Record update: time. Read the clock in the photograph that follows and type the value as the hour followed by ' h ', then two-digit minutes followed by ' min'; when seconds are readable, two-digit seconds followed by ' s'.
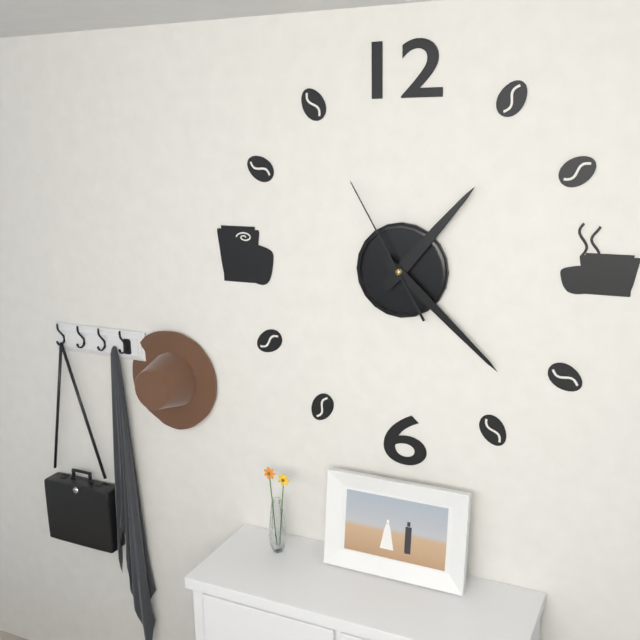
1 h 22 min 55 s
